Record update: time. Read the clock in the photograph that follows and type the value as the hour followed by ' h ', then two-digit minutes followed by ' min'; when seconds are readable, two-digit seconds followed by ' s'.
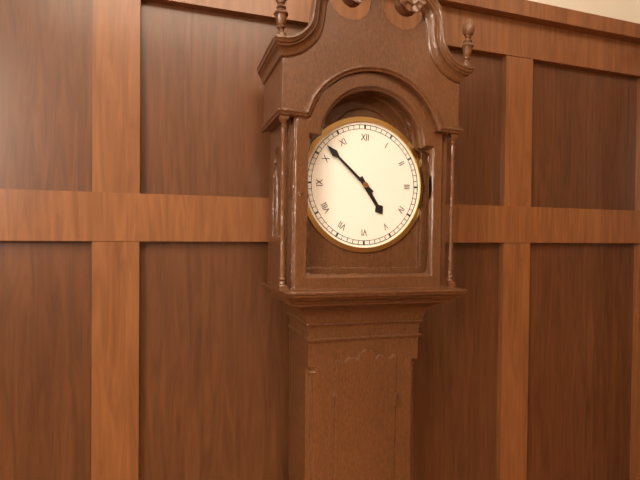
4 h 52 min
